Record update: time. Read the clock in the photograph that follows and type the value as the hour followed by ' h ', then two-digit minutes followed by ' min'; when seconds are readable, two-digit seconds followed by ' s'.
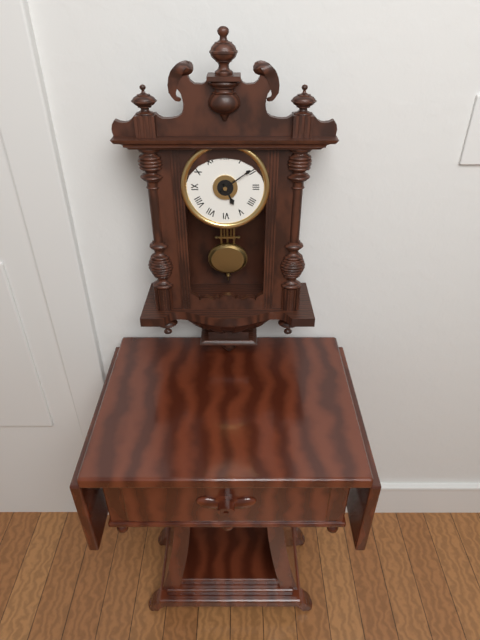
5 h 09 min
